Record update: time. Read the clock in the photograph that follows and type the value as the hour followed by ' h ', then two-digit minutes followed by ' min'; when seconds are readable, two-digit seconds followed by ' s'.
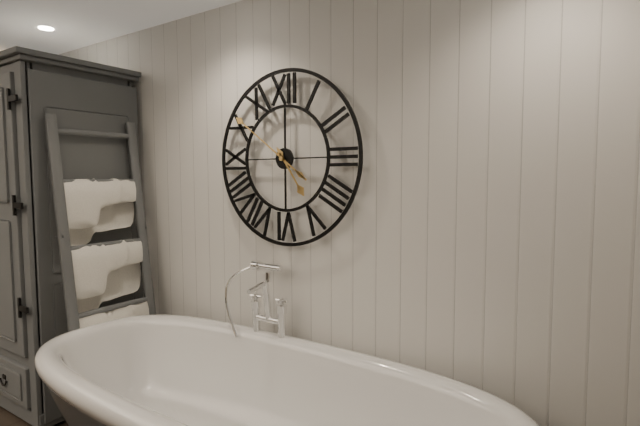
4 h 51 min
